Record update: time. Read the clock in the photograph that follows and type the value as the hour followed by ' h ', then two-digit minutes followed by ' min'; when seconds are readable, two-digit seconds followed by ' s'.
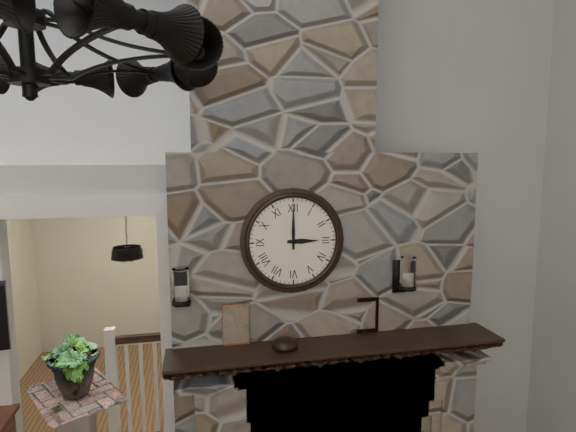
3 h 00 min
